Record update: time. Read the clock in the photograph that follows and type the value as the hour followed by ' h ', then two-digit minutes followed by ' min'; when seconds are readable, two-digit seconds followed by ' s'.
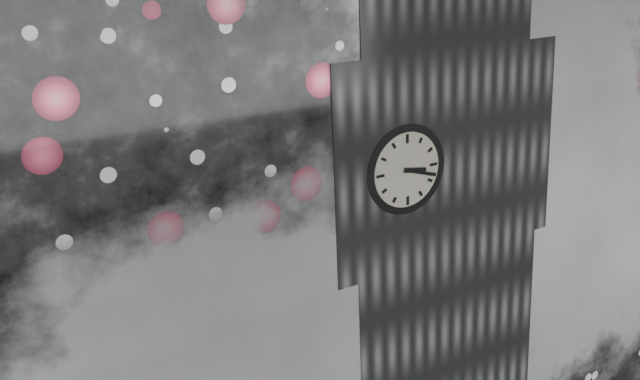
3 h 18 min
